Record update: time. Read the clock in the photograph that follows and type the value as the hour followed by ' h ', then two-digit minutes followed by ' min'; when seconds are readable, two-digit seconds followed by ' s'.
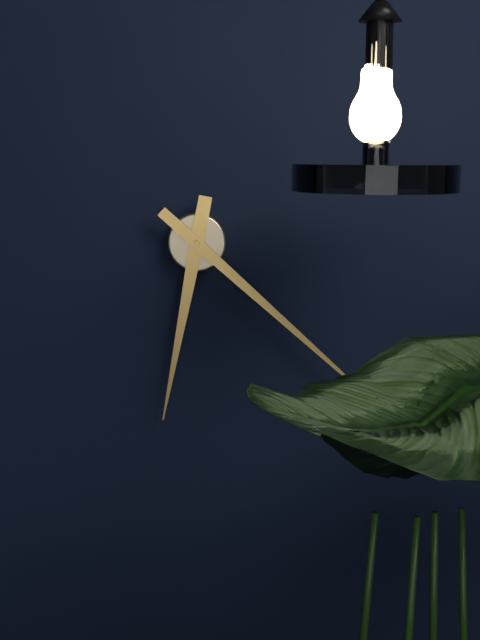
6 h 22 min
